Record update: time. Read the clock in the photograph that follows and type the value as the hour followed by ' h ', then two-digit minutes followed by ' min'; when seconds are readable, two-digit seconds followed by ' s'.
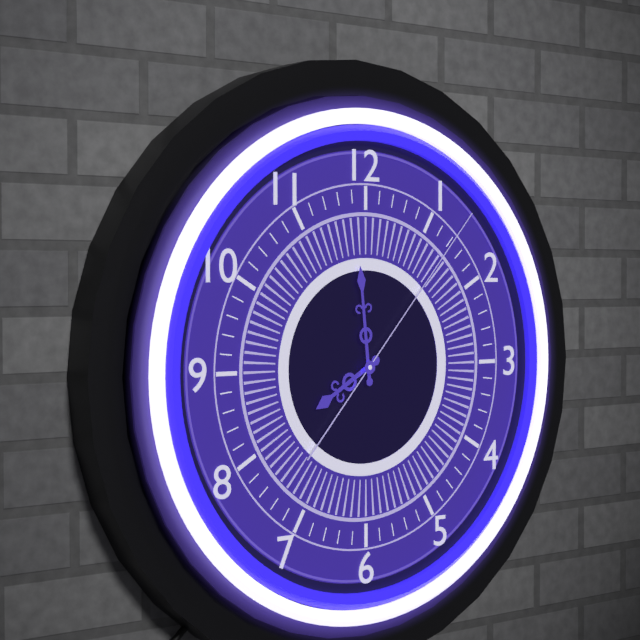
7 h 59 min 07 s
